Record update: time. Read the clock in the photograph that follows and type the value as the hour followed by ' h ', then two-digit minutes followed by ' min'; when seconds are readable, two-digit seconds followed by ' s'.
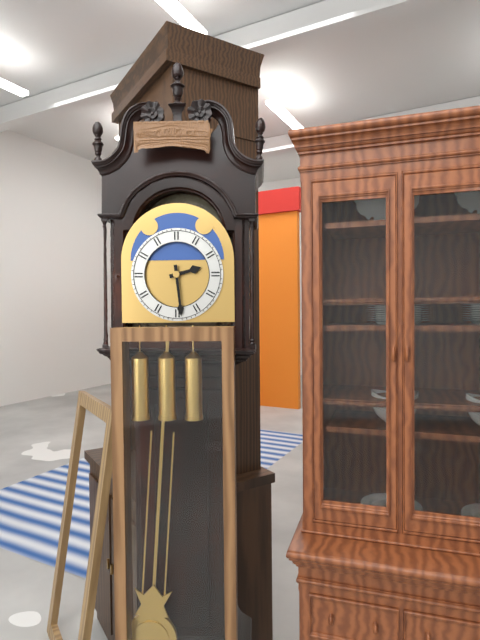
2 h 29 min
